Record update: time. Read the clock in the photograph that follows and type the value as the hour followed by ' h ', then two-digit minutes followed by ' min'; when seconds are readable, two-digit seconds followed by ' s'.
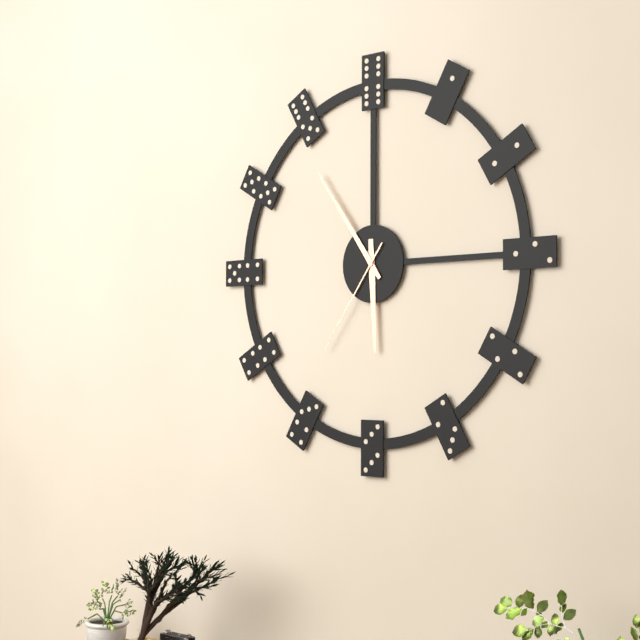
5 h 54 min 36 s
